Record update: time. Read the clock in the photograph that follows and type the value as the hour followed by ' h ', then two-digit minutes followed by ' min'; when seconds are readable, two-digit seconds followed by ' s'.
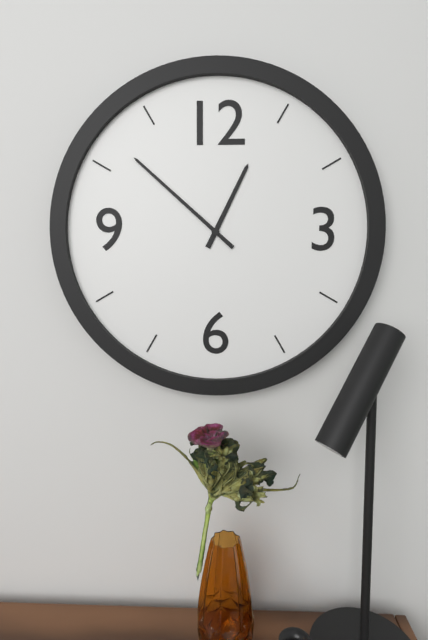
12 h 52 min
